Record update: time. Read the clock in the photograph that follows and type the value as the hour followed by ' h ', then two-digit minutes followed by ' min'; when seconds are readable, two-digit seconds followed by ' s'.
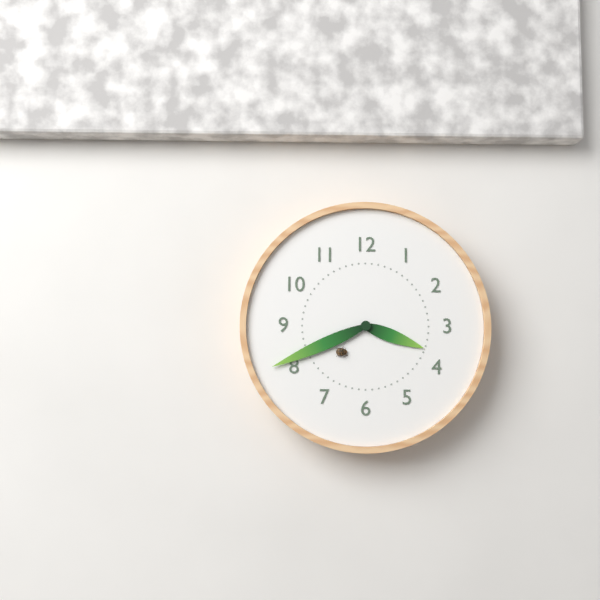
3 h 41 min
